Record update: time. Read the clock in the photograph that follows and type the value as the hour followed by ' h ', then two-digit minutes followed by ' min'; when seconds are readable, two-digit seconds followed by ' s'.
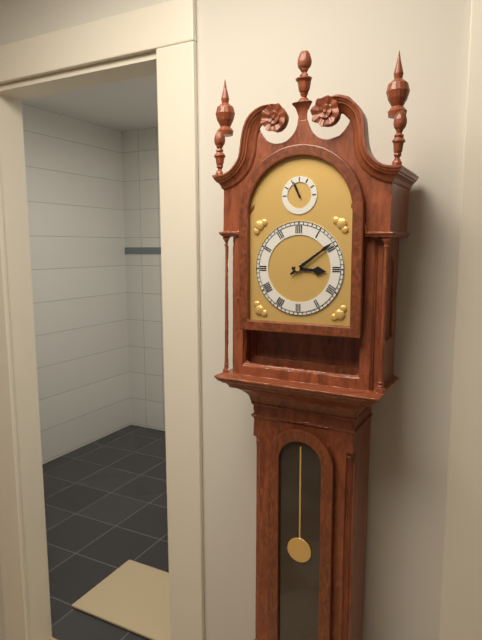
3 h 09 min
